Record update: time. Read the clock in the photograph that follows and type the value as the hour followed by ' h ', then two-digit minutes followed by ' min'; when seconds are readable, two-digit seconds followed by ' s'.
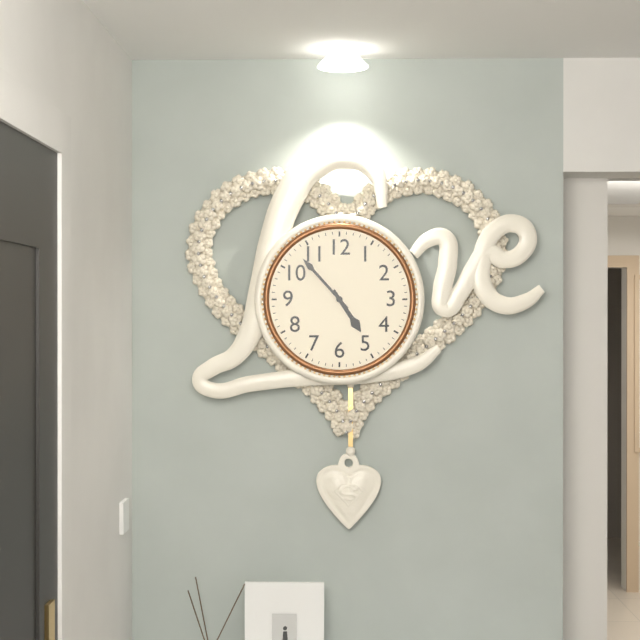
4 h 53 min
